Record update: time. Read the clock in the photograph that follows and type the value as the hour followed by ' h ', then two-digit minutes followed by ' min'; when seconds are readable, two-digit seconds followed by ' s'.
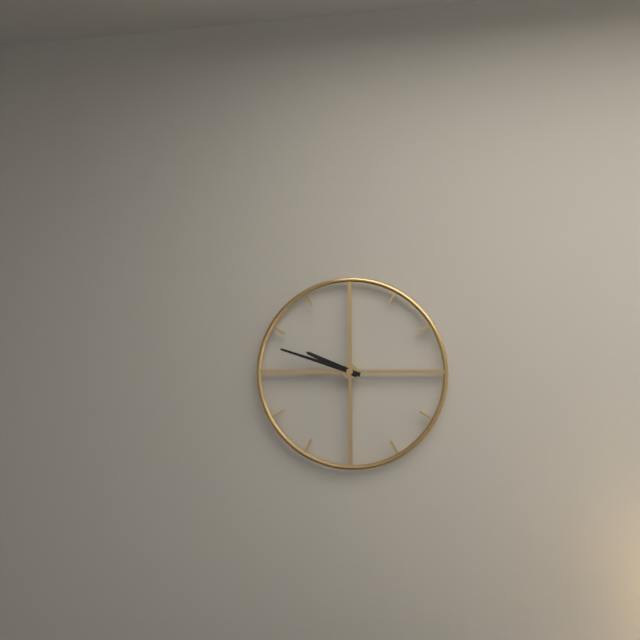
9 h 48 min
